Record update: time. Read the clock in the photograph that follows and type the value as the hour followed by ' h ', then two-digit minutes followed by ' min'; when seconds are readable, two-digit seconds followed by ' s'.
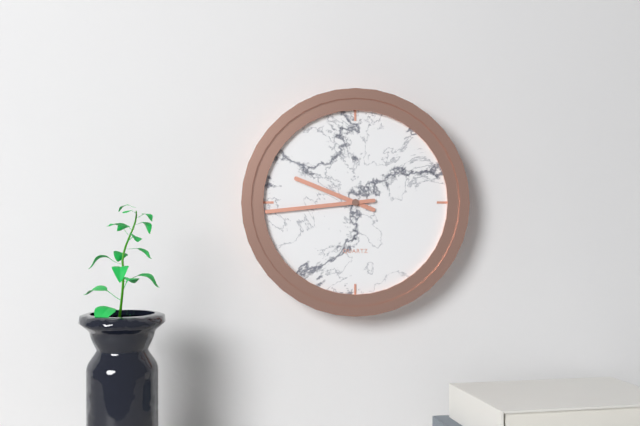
9 h 44 min
